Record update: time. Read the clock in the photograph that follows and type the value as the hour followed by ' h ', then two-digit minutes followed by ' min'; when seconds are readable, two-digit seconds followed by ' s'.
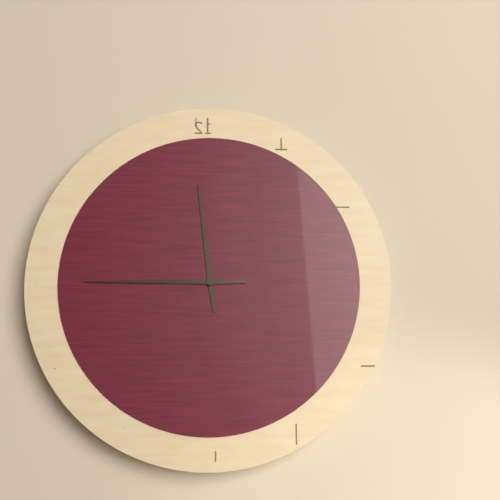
11 h 45 min
